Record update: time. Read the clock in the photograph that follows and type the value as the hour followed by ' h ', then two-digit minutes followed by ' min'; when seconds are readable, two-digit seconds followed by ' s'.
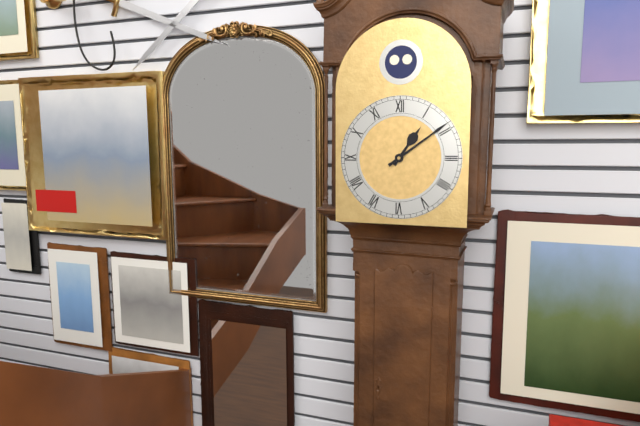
1 h 09 min
